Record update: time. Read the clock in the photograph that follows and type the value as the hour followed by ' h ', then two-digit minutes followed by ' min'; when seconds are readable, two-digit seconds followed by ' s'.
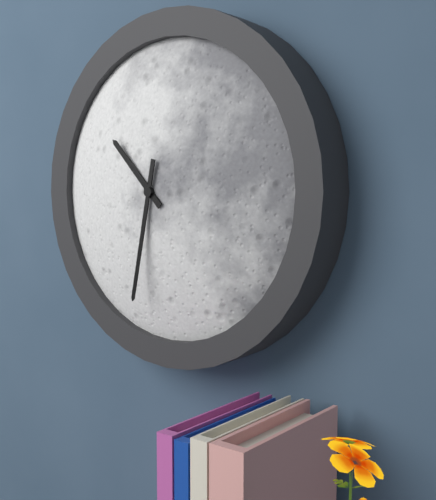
10 h 32 min
